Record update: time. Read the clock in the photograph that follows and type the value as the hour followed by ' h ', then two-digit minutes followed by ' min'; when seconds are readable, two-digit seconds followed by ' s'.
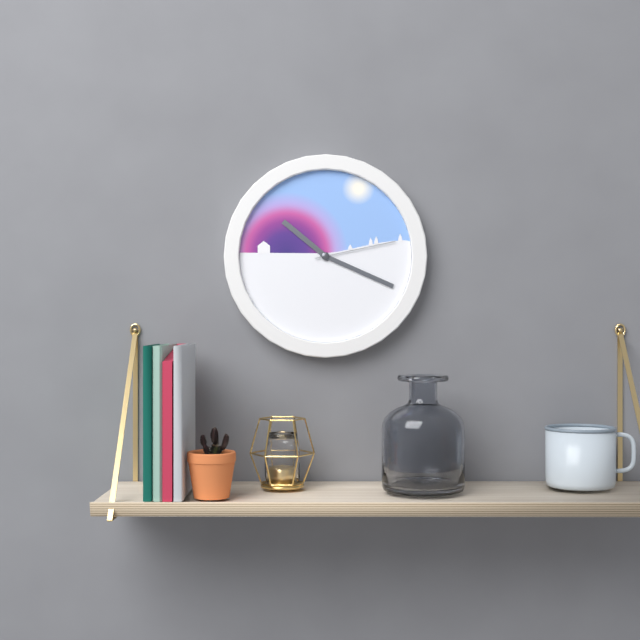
10 h 19 min 13 s
